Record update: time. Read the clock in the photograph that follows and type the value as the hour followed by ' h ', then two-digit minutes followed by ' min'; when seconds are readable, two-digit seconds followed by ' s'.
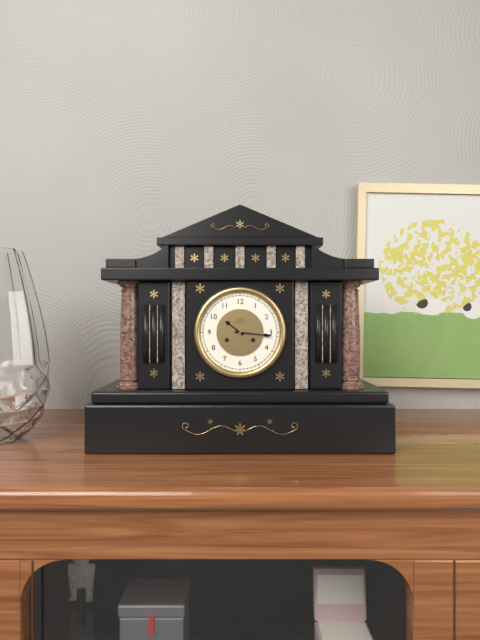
10 h 16 min
